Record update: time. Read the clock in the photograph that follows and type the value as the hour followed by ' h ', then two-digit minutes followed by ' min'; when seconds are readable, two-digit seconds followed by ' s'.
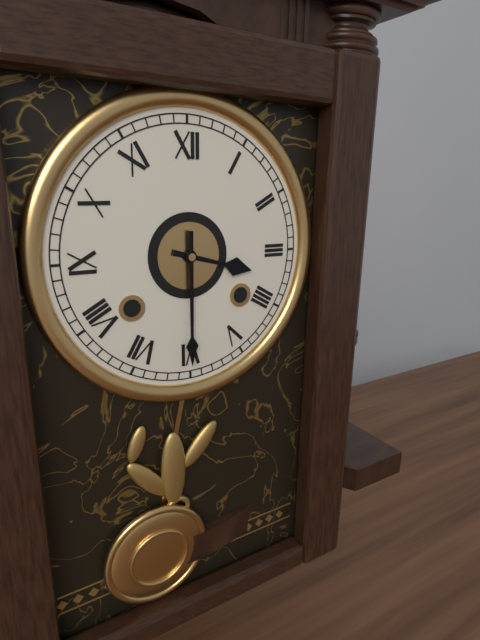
3 h 30 min
